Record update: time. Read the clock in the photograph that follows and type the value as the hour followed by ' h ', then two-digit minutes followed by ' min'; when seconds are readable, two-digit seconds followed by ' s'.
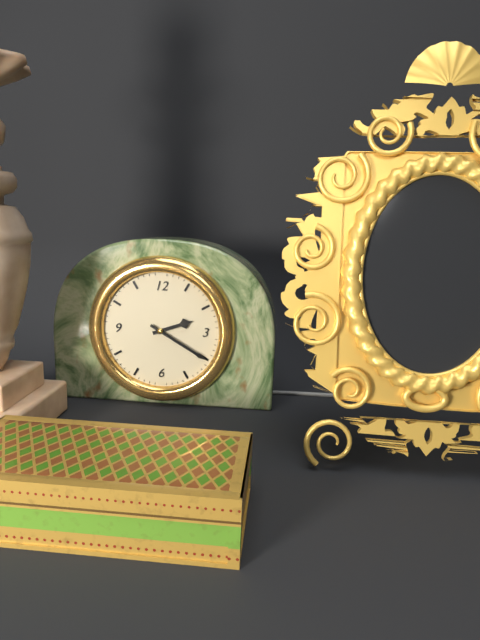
2 h 20 min
